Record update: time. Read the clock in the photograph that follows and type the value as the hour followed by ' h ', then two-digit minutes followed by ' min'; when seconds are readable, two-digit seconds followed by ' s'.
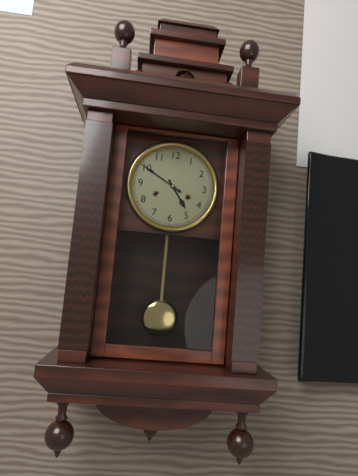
4 h 50 min
